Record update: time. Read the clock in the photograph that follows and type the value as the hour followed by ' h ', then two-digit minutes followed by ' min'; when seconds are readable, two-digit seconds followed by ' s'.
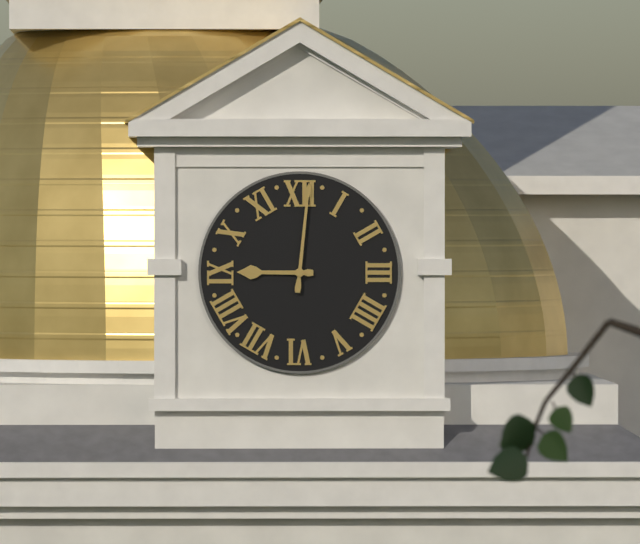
9 h 01 min
